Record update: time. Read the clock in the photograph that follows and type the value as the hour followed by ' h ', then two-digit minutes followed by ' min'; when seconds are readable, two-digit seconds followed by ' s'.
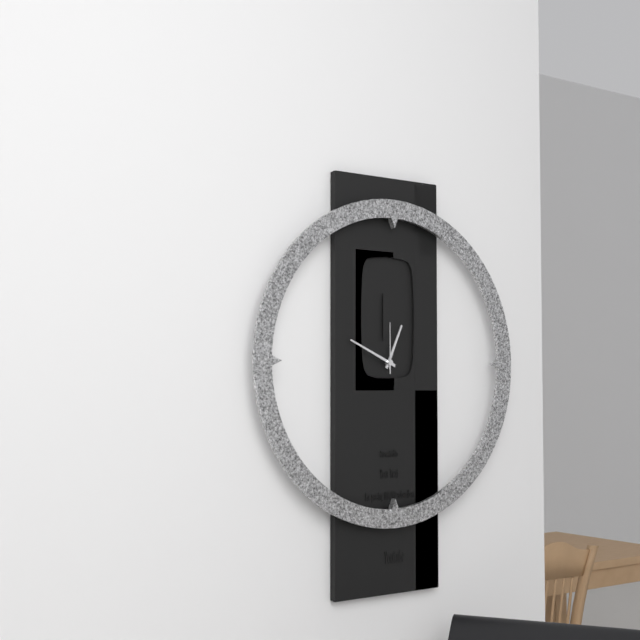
12 h 49 min 00 s
